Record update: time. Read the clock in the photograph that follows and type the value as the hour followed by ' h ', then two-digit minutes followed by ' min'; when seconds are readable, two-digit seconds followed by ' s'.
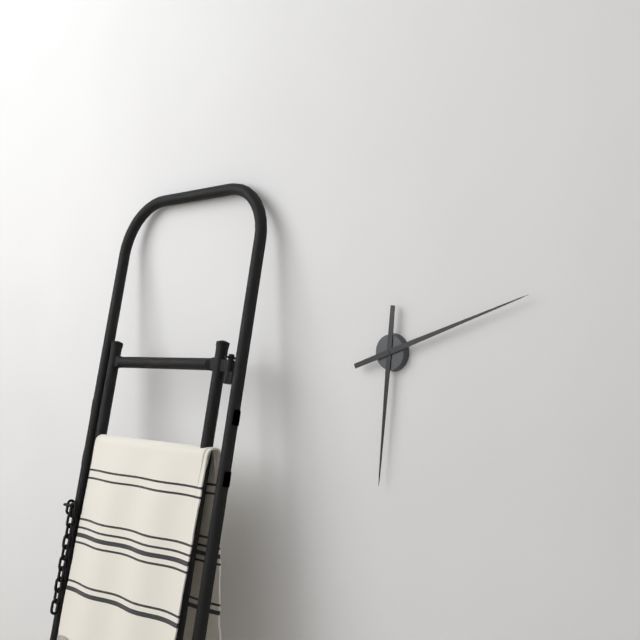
6 h 12 min
